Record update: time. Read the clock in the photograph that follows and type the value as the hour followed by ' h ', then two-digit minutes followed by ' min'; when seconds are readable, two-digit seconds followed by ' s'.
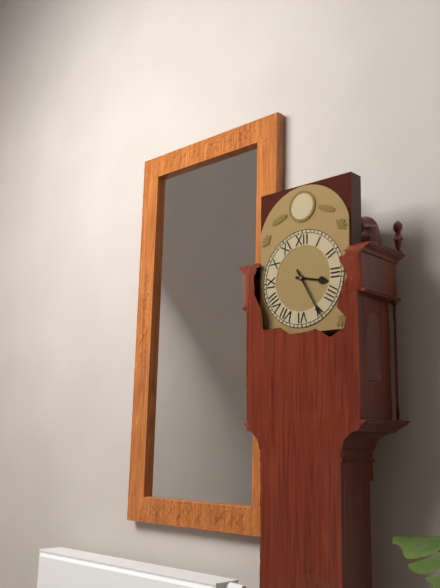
3 h 25 min
